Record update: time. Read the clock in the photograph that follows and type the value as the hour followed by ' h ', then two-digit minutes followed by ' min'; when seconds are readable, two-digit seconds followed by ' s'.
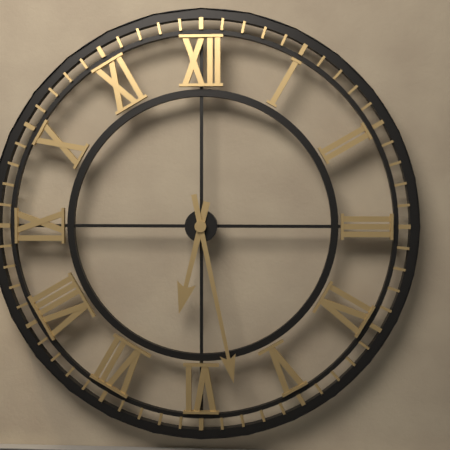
6 h 28 min
